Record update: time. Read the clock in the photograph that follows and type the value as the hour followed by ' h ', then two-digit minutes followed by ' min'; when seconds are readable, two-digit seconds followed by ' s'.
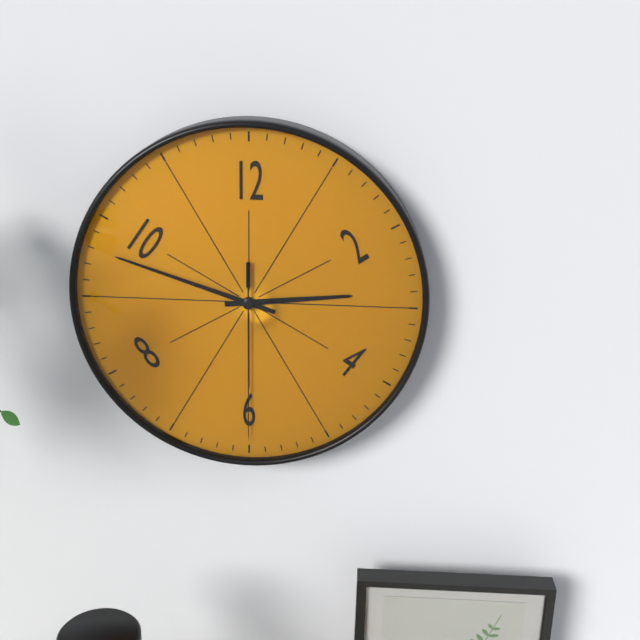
2 h 48 min 30 s
